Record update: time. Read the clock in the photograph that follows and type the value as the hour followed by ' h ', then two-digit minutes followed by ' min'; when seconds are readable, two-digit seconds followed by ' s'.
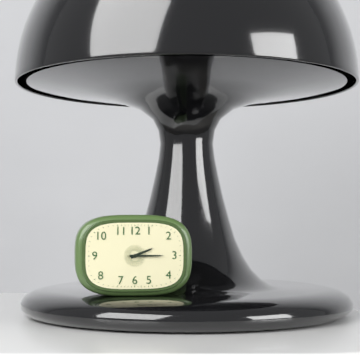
2 h 15 min
